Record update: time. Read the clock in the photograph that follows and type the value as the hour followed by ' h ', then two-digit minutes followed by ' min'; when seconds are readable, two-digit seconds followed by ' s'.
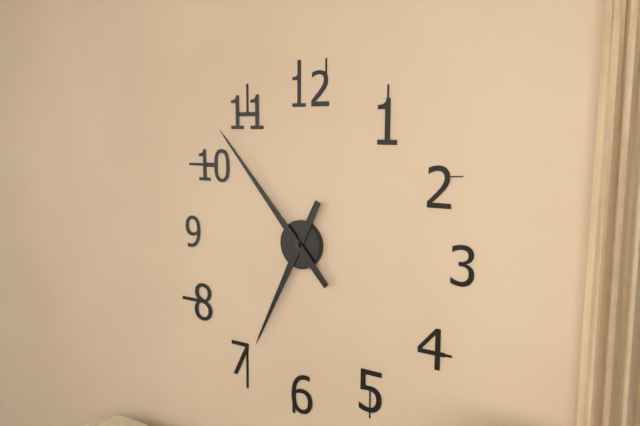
6 h 53 min
